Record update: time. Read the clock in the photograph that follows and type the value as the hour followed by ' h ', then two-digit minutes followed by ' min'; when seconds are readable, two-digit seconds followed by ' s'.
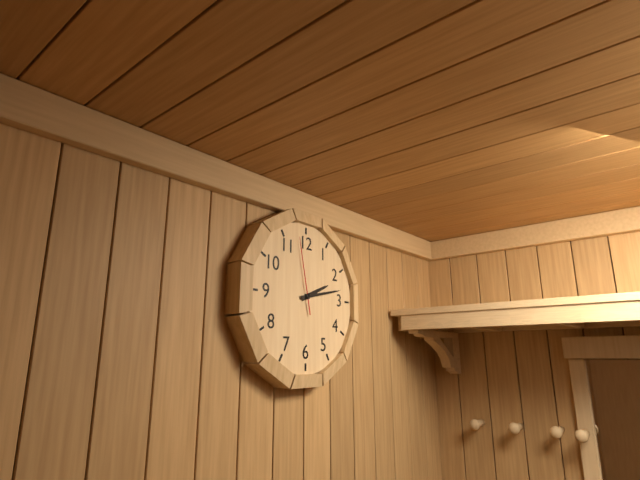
2 h 13 min 58 s
